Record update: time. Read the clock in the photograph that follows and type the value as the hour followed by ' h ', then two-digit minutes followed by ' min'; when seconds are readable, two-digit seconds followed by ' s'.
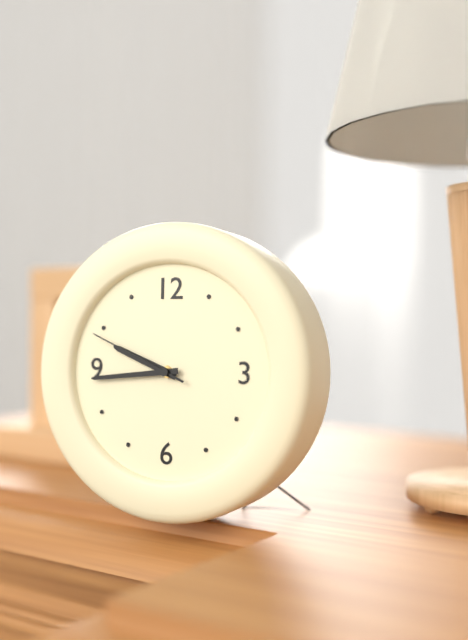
9 h 44 min 49 s
